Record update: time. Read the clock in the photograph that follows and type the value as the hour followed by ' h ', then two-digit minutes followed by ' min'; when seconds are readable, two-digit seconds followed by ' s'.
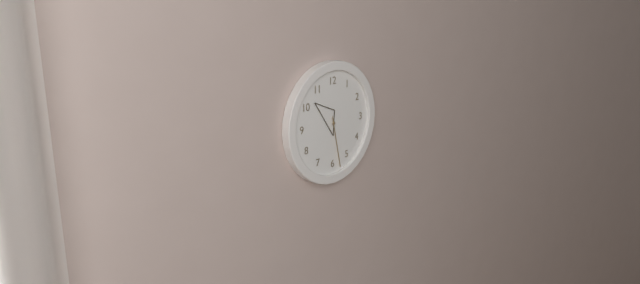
10 h 28 min
